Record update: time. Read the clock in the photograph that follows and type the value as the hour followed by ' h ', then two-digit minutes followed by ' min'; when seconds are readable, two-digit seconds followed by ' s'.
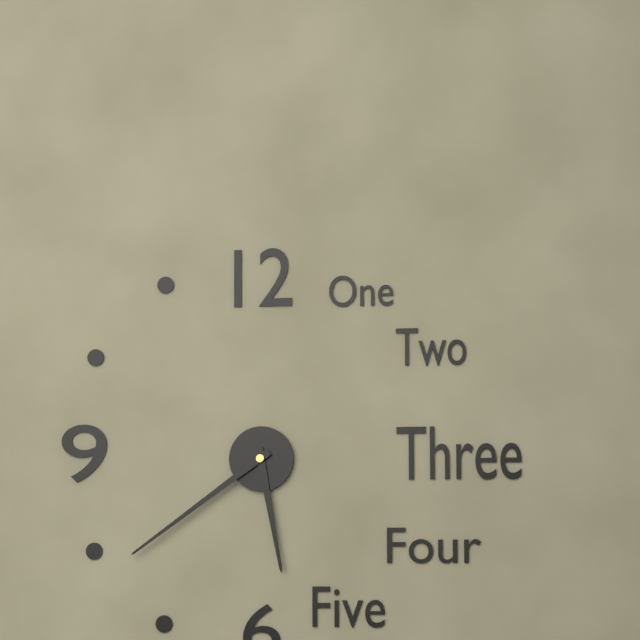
5 h 39 min
